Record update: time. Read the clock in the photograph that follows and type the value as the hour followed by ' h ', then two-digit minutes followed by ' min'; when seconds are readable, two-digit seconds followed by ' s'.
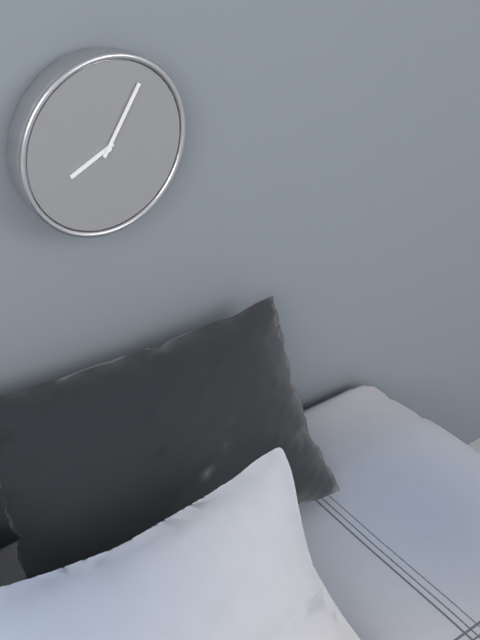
8 h 05 min
